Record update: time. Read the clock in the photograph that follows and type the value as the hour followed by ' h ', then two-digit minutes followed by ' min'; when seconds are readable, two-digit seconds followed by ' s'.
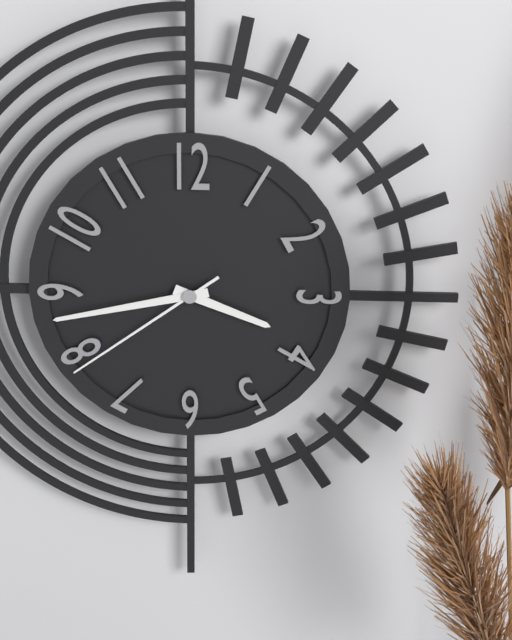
3 h 43 min 39 s
